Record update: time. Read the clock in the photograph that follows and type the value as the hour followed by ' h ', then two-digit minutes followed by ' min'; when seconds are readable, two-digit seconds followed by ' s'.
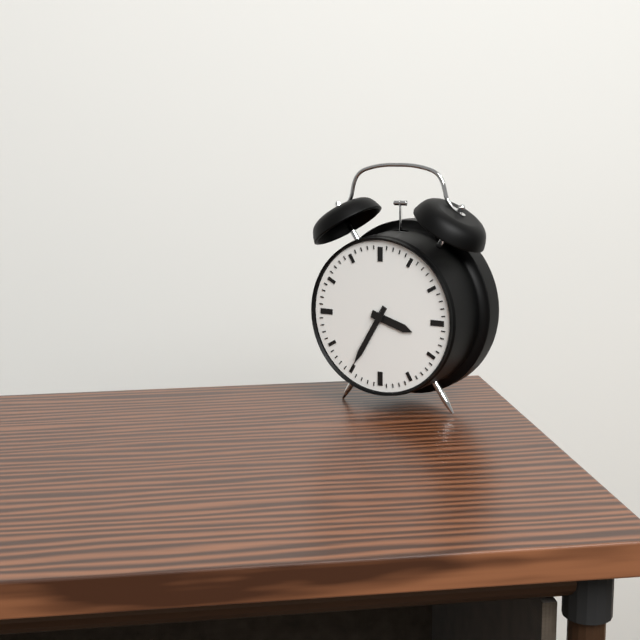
3 h 35 min
